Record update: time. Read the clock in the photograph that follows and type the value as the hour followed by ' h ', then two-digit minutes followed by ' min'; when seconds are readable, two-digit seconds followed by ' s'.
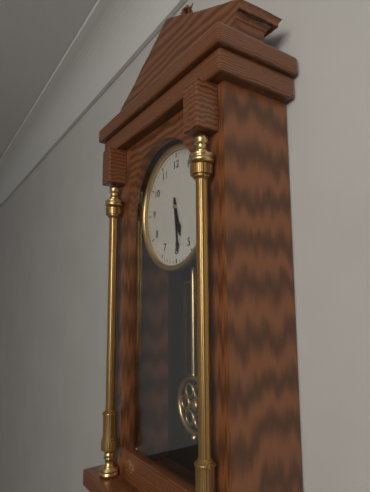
5 h 29 min
